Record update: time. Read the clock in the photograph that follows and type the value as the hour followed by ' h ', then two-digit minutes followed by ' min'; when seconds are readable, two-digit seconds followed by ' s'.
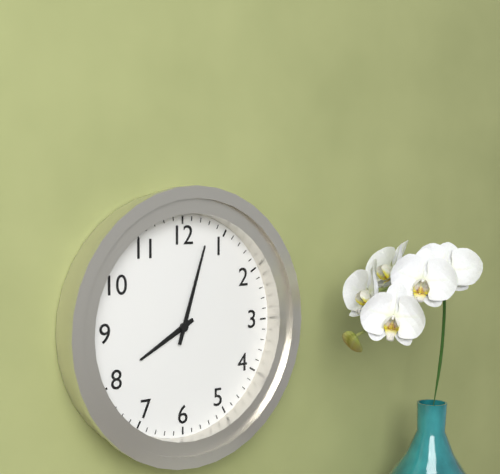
8 h 03 min
